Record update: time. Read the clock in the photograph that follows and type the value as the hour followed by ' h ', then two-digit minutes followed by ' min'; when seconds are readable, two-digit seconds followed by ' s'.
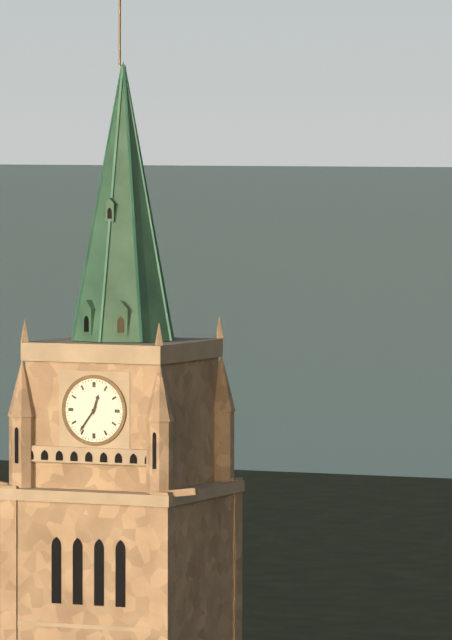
12 h 36 min
